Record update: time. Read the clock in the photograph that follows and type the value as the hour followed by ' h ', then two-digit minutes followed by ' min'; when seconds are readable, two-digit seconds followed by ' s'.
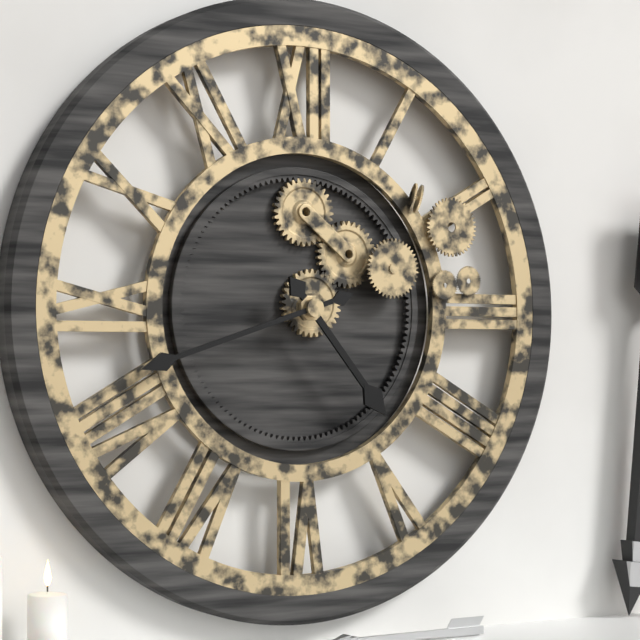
4 h 42 min
